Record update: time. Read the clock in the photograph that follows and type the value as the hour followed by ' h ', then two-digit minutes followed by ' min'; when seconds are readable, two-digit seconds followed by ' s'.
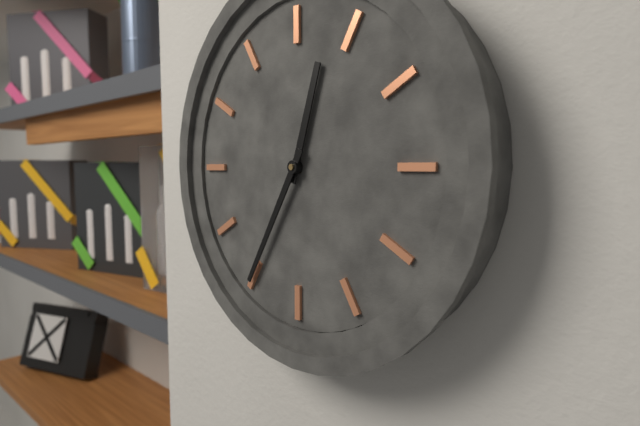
12 h 35 min
